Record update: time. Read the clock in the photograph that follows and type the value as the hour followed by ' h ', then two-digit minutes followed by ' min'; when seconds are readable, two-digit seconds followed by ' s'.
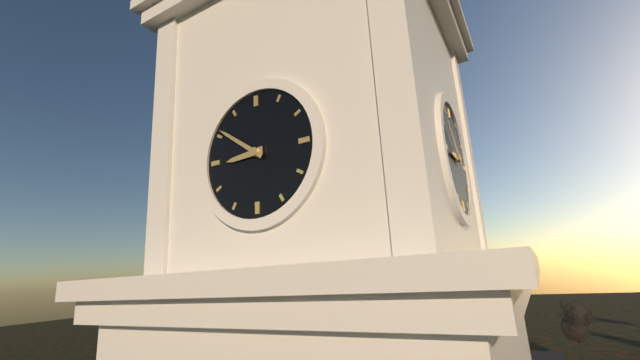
8 h 51 min
